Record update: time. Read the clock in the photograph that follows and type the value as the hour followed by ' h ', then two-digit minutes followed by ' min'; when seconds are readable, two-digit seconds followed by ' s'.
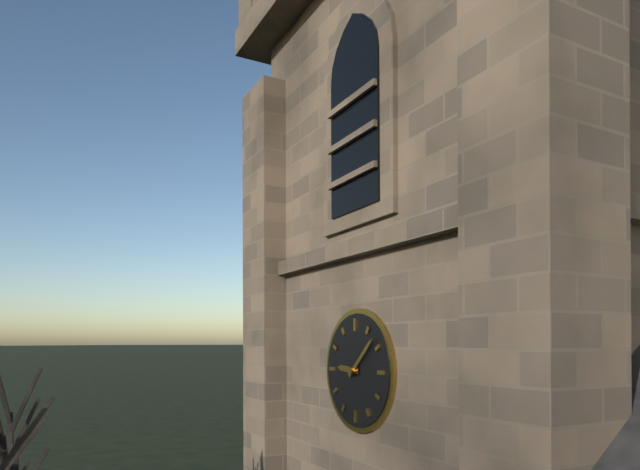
9 h 08 min
